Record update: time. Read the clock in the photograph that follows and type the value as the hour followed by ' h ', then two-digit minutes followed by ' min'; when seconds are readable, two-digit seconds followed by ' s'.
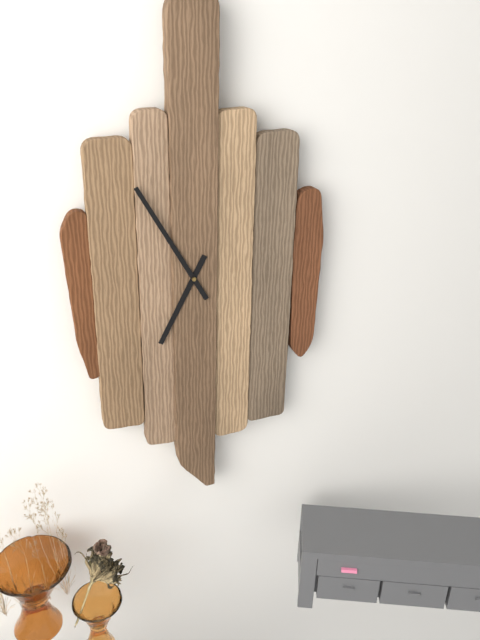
6 h 55 min
